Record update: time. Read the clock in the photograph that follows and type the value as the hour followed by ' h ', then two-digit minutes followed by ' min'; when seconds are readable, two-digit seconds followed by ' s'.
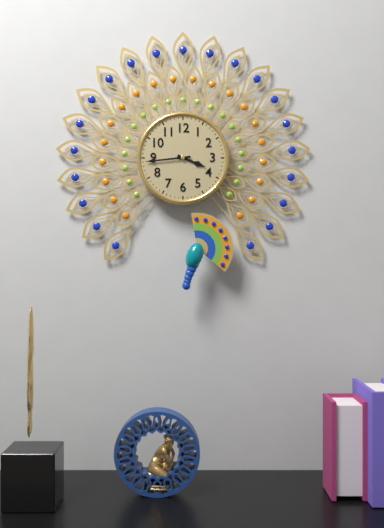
3 h 44 min
